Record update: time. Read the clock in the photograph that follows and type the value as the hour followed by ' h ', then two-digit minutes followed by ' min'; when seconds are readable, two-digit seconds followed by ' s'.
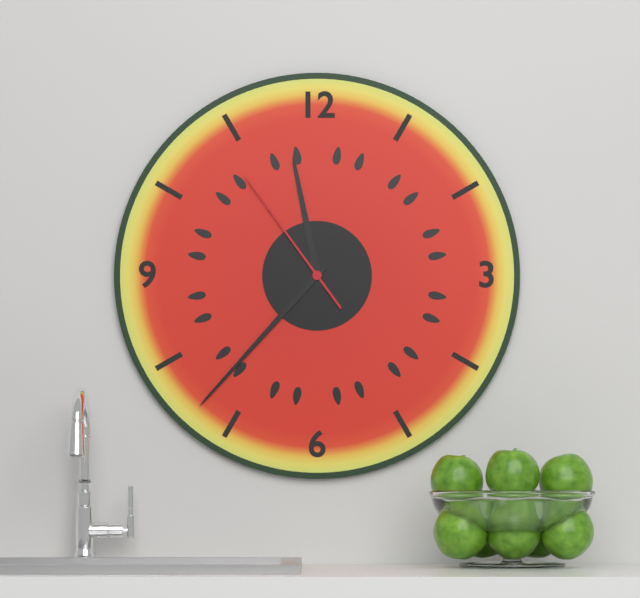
11 h 37 min 54 s
